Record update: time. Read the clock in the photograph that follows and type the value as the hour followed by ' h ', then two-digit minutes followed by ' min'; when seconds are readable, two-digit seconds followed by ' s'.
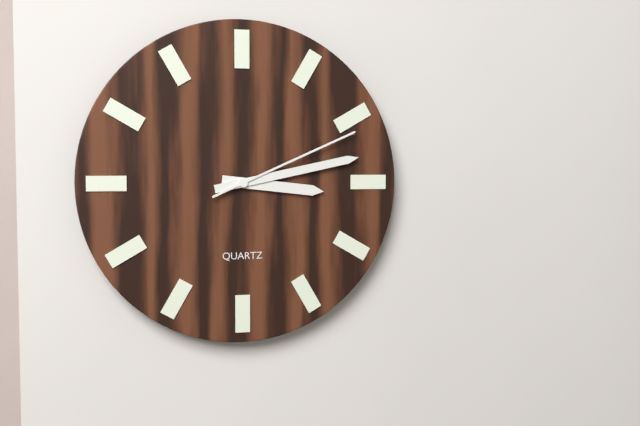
3 h 13 min 11 s
